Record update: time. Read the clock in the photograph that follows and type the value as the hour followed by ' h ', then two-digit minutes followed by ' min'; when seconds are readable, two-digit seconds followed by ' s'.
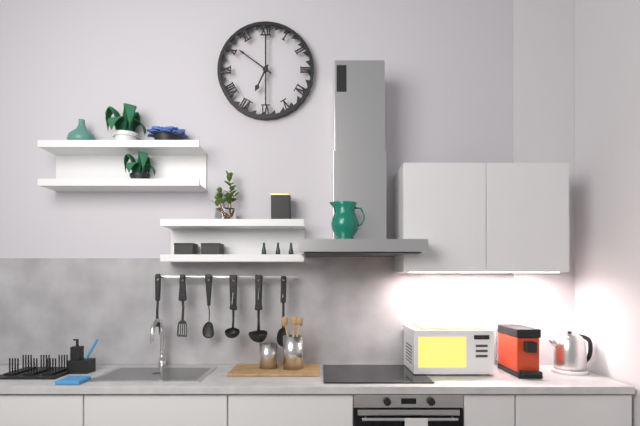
6 h 51 min
